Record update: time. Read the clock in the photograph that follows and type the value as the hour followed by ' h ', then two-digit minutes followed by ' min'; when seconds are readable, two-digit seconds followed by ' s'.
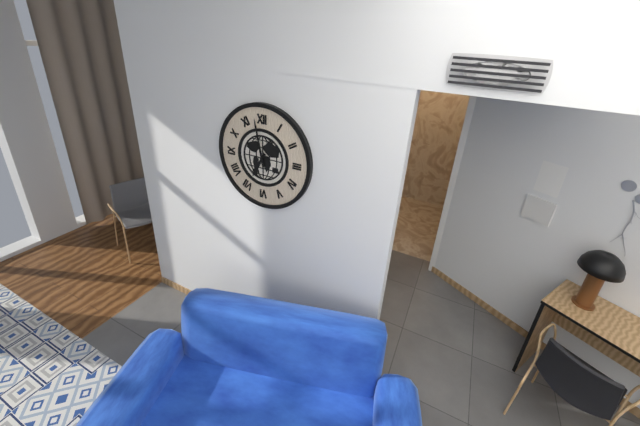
6 h 58 min
